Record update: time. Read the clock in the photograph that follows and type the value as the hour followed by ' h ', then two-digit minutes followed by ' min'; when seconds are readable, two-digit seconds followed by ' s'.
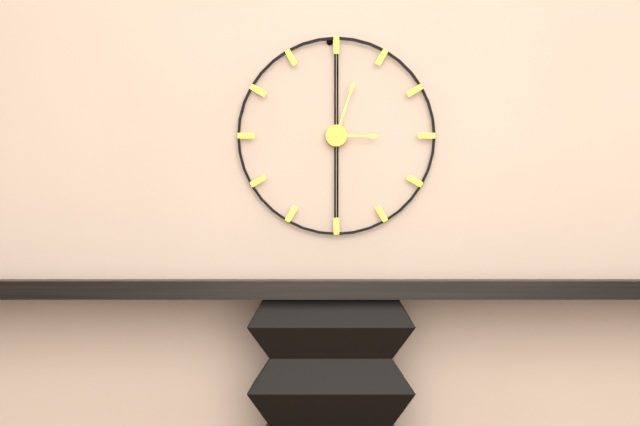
3 h 03 min
